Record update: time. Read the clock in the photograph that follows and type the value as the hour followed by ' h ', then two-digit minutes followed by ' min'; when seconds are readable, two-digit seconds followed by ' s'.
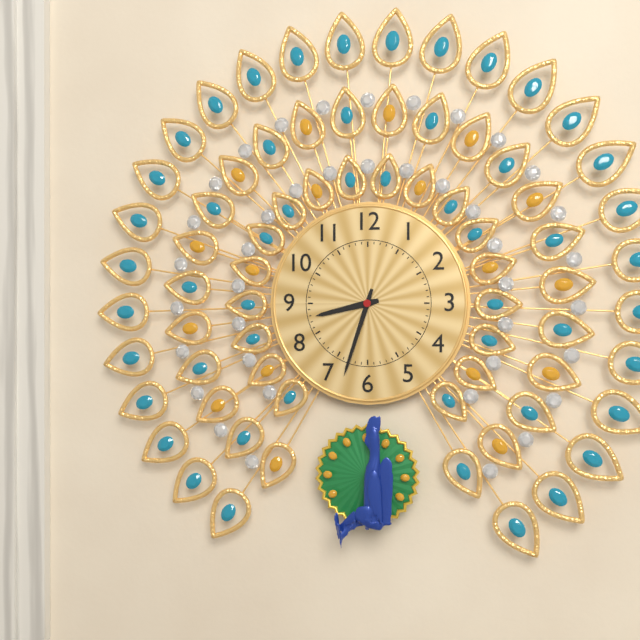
8 h 33 min
